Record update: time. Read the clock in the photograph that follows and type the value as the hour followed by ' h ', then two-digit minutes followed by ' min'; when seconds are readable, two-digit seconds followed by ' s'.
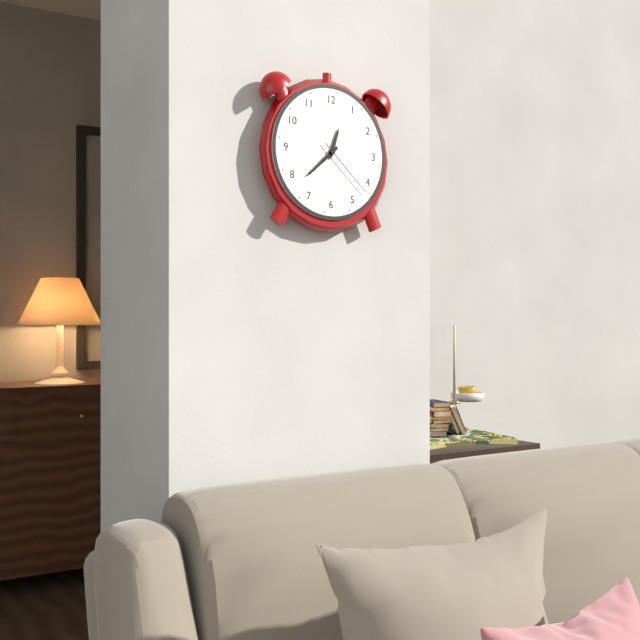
12 h 38 min 22 s
